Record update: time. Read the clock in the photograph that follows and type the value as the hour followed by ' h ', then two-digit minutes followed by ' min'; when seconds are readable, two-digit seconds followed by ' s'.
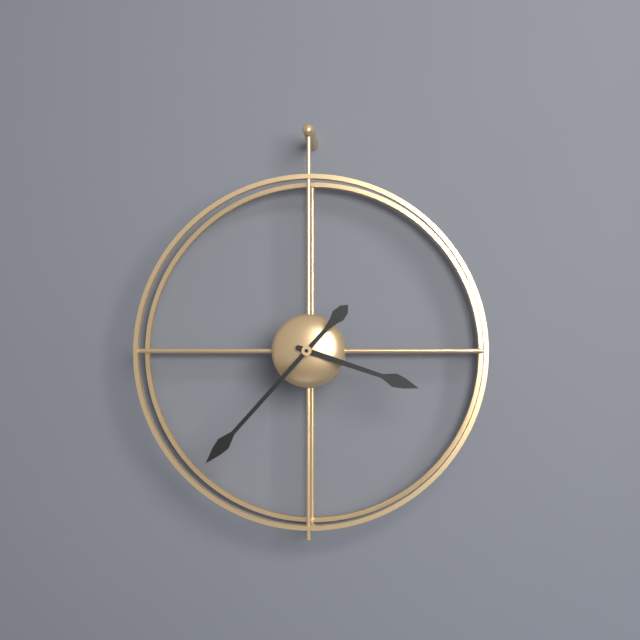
3 h 37 min
